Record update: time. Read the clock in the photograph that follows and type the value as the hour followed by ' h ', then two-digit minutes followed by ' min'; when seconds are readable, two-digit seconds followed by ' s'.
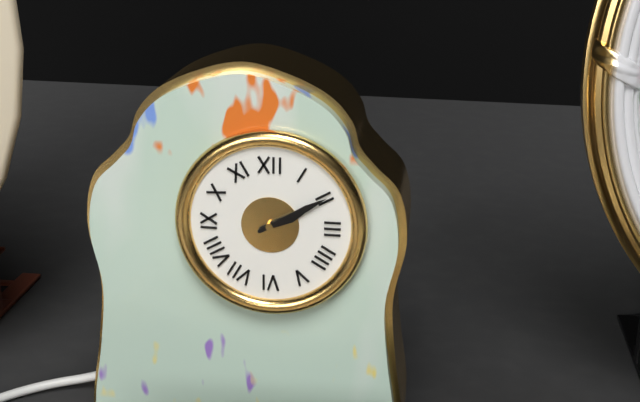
2 h 10 min
